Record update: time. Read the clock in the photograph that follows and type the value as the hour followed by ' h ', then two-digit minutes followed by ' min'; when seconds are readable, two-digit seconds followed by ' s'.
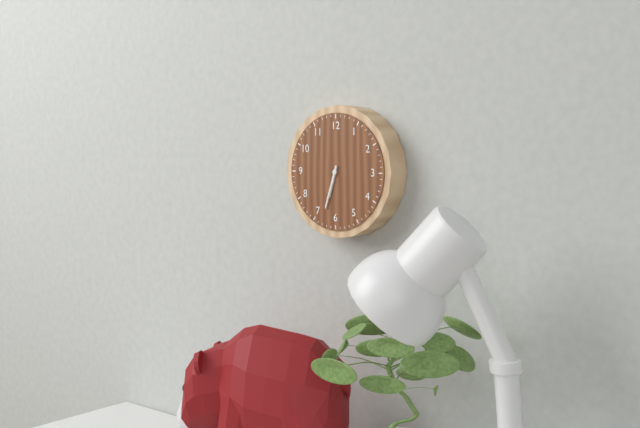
6 h 33 min
